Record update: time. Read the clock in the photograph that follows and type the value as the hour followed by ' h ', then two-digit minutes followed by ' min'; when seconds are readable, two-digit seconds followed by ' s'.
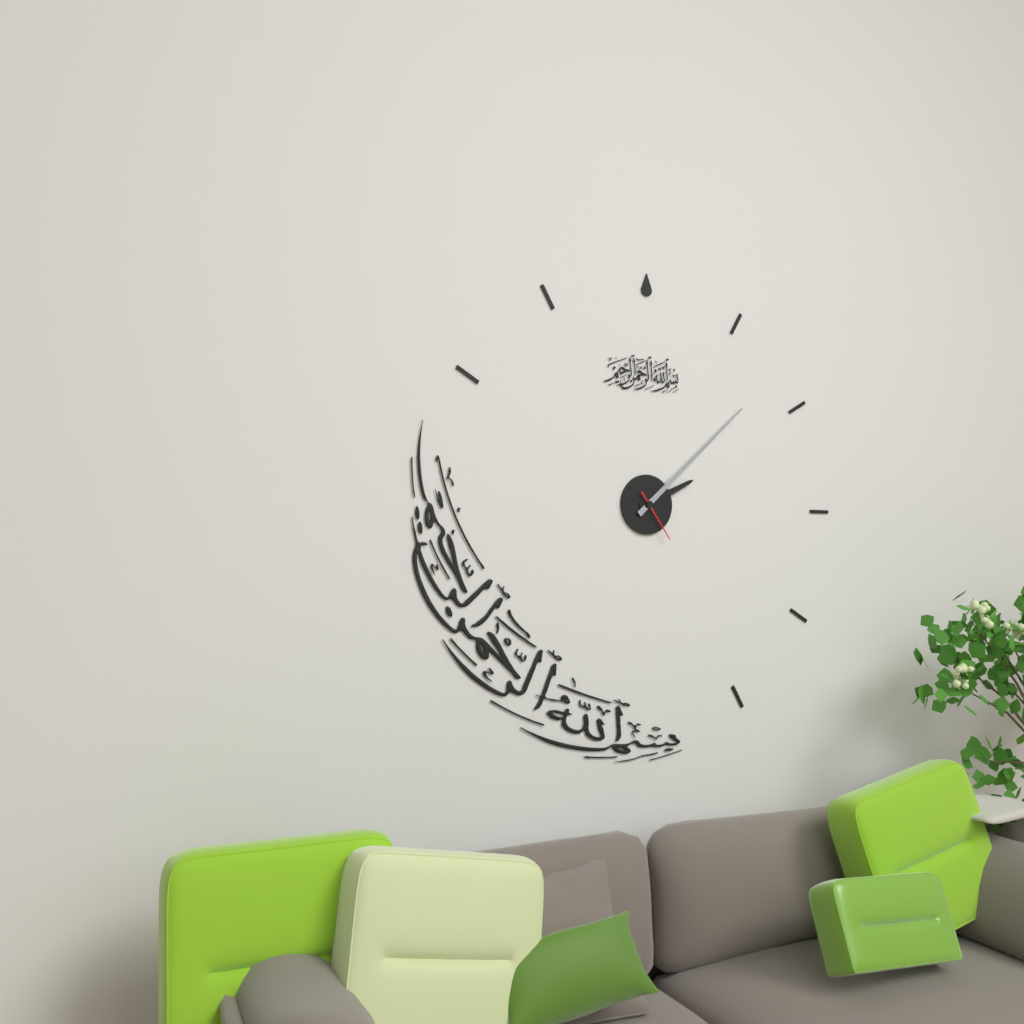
2 h 08 min 24 s
